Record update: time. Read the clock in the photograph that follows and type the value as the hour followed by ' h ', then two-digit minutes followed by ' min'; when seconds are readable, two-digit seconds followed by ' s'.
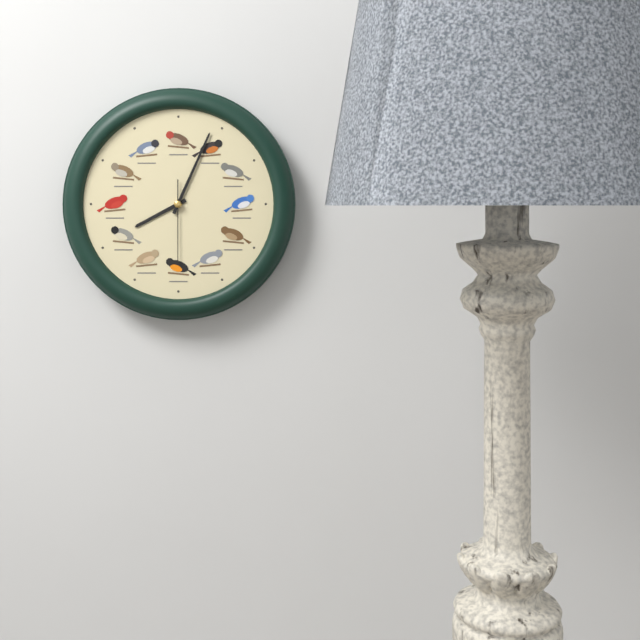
8 h 04 min 30 s
